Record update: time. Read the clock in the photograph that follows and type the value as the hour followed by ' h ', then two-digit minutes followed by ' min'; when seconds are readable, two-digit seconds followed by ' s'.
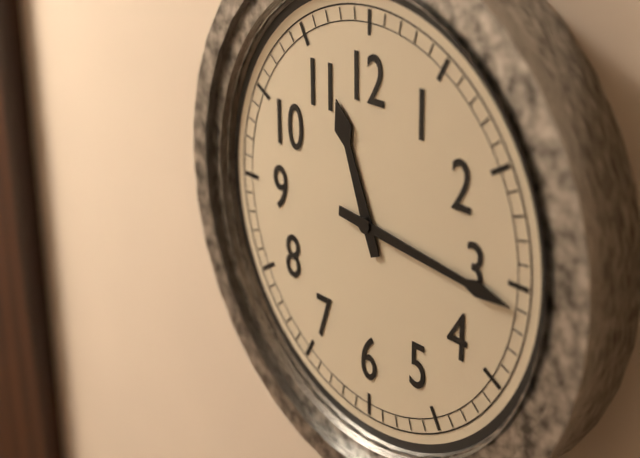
11 h 16 min
